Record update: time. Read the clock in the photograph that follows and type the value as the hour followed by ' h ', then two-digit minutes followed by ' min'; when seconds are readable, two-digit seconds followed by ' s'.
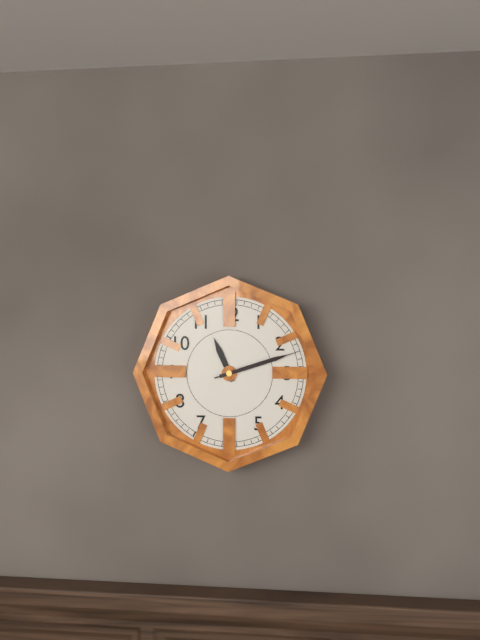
11 h 12 min 12 s
